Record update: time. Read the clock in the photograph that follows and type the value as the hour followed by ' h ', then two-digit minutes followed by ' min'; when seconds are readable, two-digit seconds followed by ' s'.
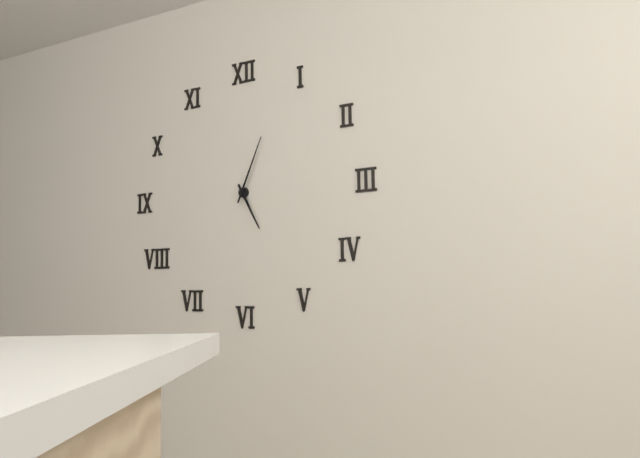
5 h 04 min
